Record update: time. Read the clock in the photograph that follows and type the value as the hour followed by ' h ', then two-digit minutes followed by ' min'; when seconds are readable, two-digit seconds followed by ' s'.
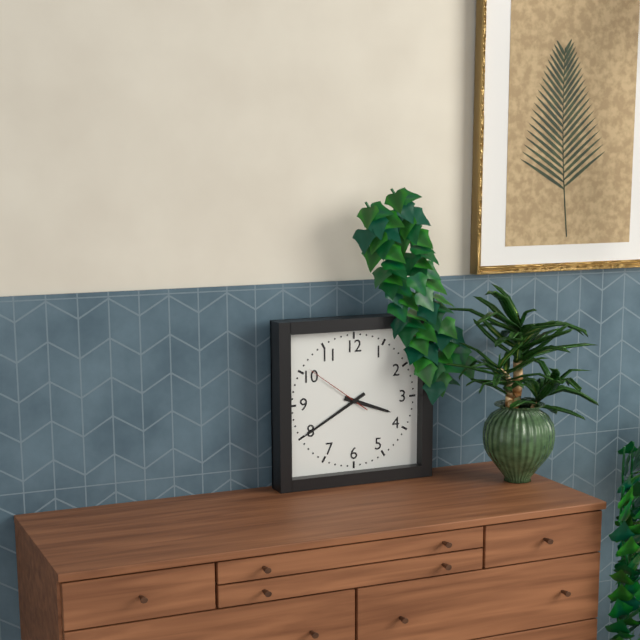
3 h 40 min 51 s
